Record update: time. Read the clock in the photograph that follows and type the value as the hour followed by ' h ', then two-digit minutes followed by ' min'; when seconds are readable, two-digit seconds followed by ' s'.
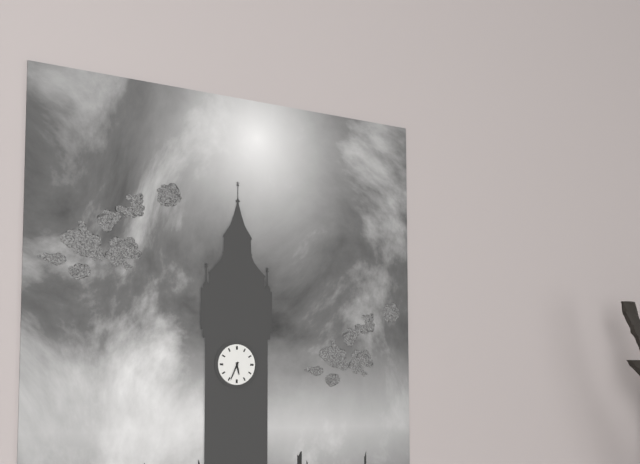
5 h 34 min
